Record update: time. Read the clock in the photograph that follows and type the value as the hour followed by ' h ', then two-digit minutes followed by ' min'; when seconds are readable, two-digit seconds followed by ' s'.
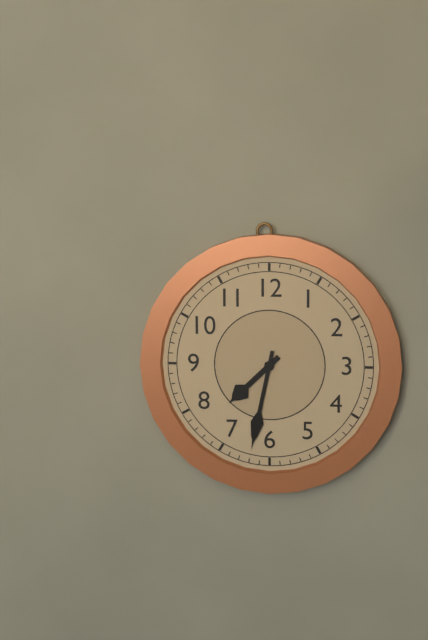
7 h 32 min
